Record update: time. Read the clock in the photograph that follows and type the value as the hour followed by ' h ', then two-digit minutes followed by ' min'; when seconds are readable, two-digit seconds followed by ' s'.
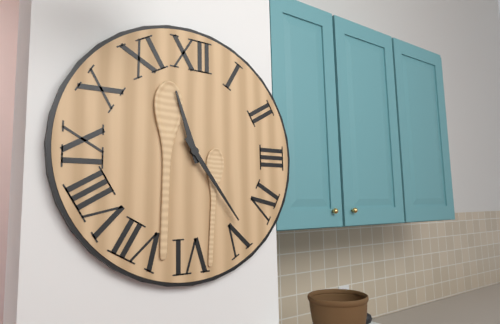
11 h 24 min
